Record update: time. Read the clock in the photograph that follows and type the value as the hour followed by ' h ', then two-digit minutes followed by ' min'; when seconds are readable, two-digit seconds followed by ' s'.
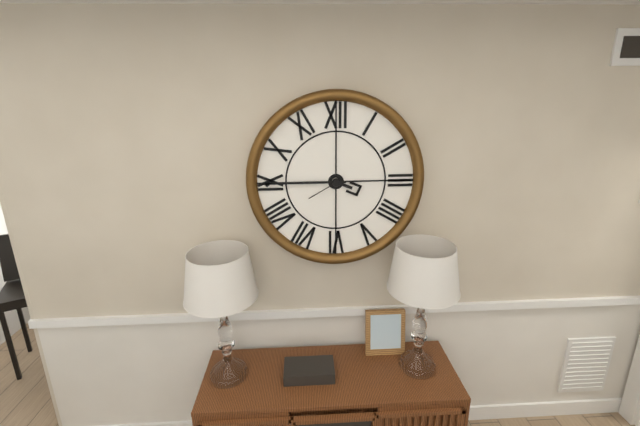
3 h 45 min
